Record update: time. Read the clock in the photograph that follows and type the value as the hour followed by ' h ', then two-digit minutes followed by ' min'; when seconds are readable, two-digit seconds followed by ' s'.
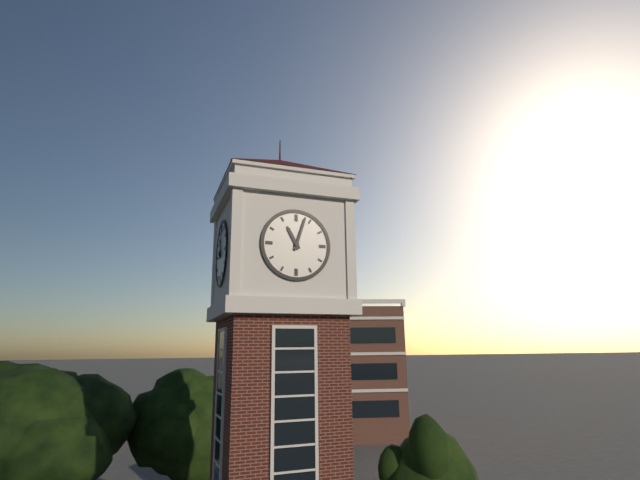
11 h 03 min
